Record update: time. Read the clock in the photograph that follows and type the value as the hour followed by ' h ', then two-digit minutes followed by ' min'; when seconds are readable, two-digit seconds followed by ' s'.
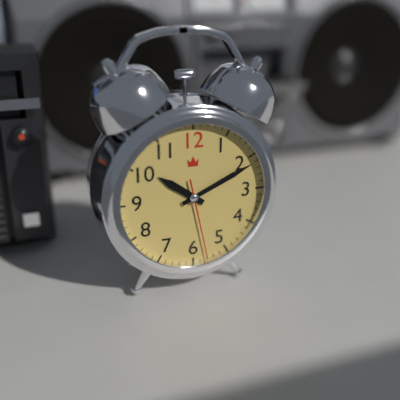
10 h 11 min 28 s
